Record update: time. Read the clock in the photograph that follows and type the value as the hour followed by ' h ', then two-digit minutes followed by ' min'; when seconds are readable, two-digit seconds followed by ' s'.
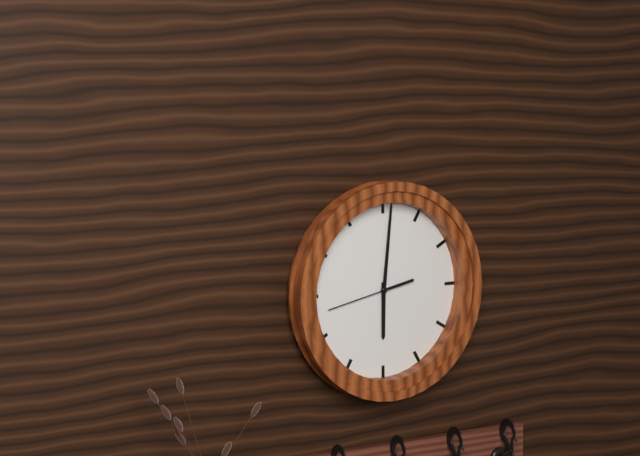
6 h 01 min 43 s
